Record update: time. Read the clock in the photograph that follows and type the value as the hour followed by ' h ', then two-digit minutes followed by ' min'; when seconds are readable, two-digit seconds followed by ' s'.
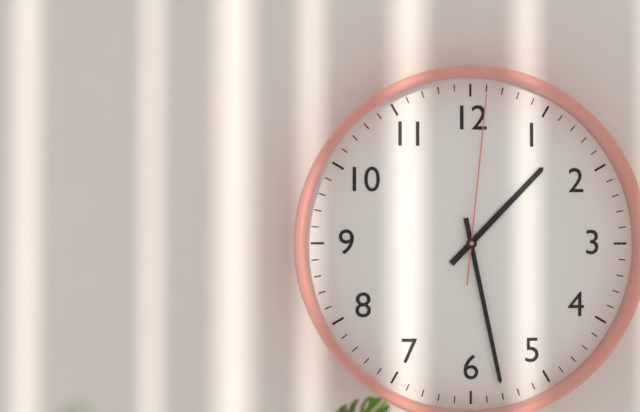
1 h 28 min 01 s
